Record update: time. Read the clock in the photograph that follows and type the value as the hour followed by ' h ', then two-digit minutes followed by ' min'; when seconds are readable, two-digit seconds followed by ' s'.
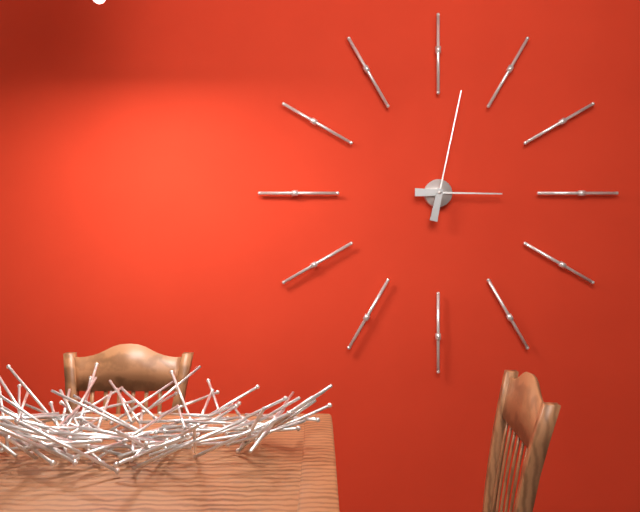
3 h 02 min
